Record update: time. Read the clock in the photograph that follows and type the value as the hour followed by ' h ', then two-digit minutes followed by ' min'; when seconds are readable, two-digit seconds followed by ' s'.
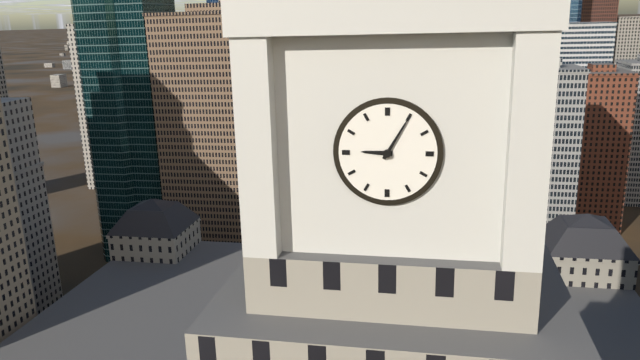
9 h 05 min
